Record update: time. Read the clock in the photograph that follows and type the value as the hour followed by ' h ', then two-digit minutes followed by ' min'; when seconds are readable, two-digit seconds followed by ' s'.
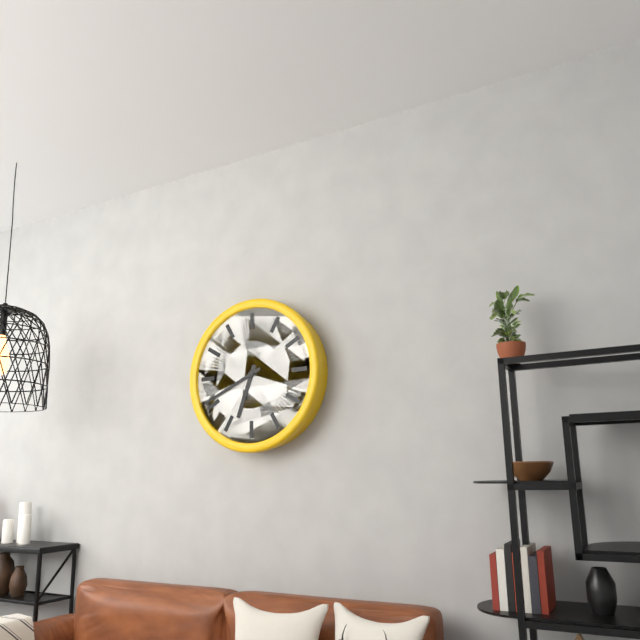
6 h 41 min
